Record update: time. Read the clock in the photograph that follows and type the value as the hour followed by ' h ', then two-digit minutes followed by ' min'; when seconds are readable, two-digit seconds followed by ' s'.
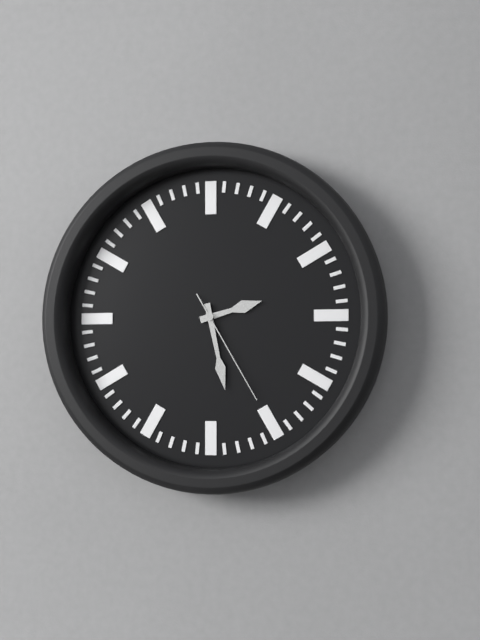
2 h 28 min 25 s
